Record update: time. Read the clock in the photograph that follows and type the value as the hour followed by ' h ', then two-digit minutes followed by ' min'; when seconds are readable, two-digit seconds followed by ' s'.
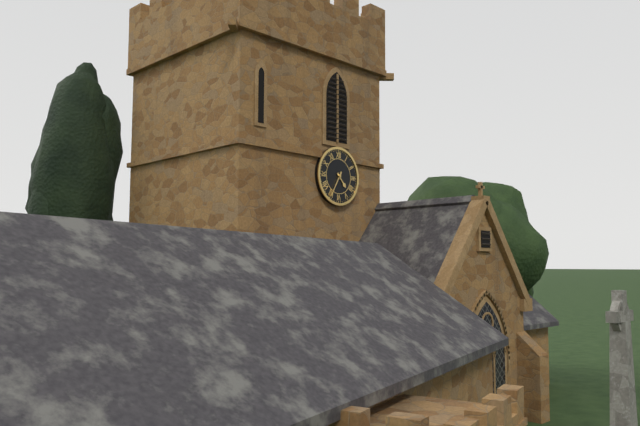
4 h 35 min
